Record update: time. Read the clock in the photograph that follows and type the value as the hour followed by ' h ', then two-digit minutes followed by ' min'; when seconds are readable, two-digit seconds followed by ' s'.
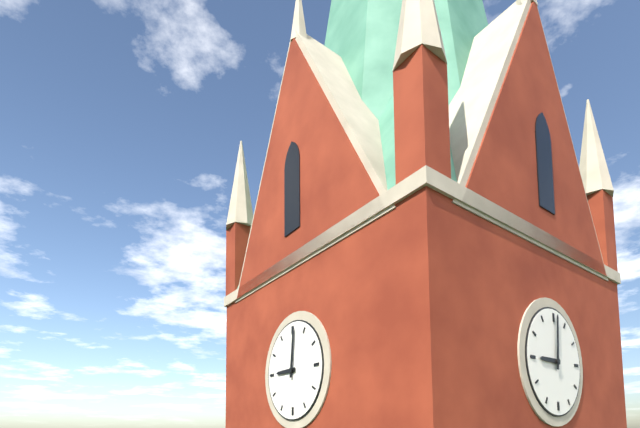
9 h 01 min
